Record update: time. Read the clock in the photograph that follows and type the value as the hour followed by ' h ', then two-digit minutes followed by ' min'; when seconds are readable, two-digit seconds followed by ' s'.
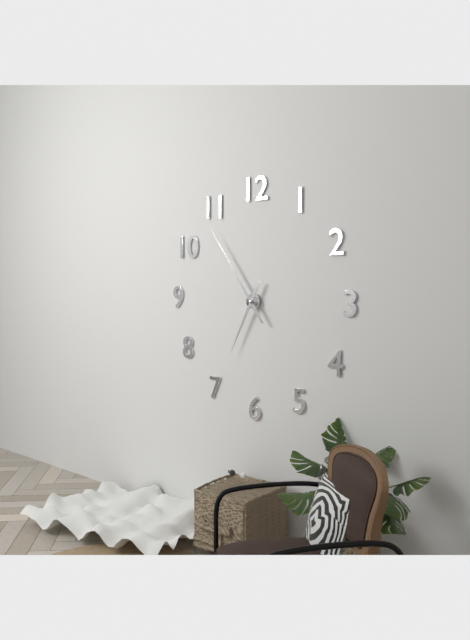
6 h 54 min
